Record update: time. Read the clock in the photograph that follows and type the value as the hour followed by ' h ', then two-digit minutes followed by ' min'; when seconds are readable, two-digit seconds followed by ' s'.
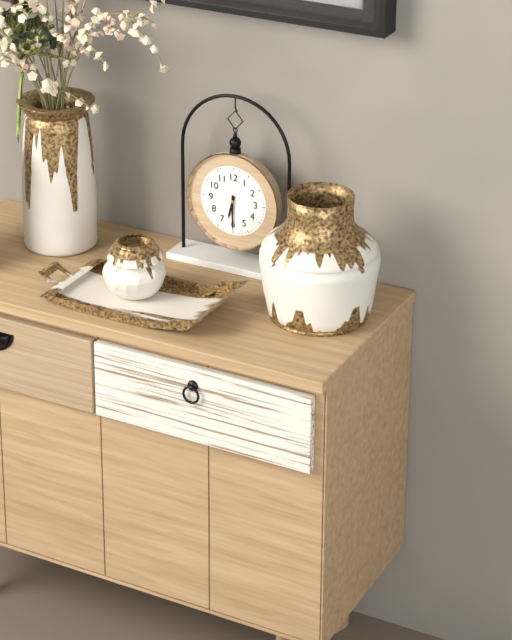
6 h 30 min
